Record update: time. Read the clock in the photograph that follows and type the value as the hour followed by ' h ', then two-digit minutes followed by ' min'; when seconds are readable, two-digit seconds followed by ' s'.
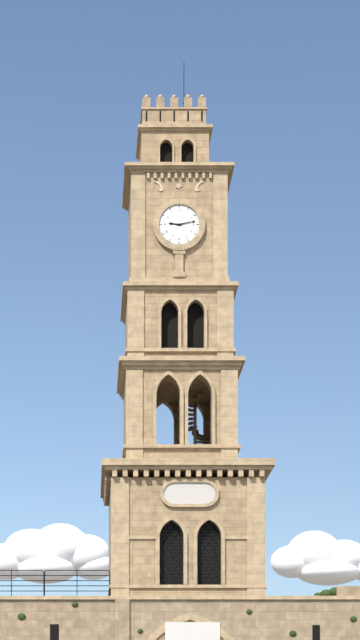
9 h 13 min
